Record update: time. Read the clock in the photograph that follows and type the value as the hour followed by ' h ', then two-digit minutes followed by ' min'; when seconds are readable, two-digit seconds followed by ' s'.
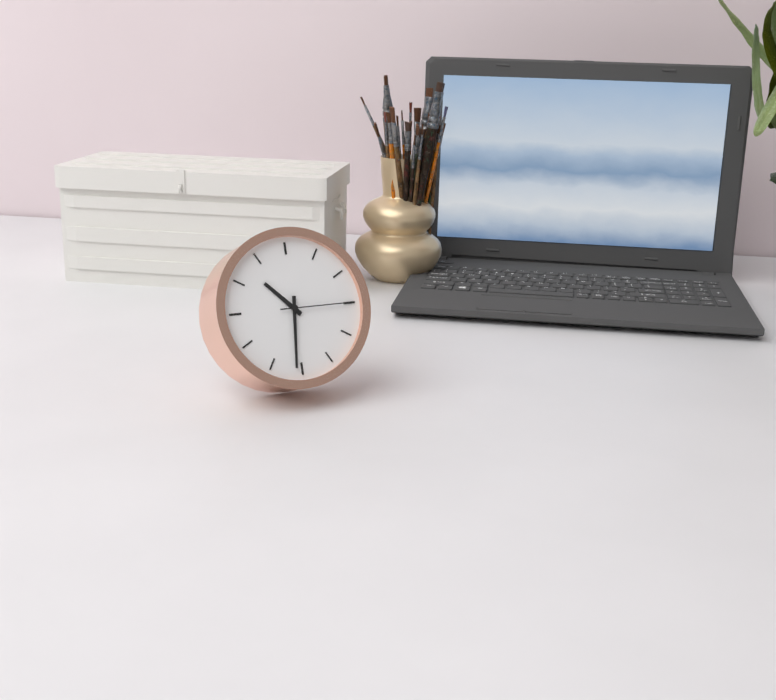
10 h 31 min 15 s
